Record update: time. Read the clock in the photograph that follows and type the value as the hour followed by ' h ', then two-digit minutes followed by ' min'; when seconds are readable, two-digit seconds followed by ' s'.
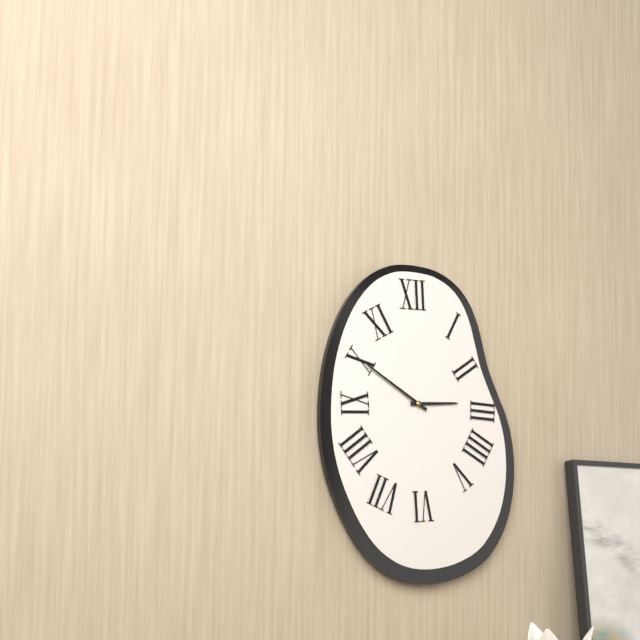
2 h 50 min
